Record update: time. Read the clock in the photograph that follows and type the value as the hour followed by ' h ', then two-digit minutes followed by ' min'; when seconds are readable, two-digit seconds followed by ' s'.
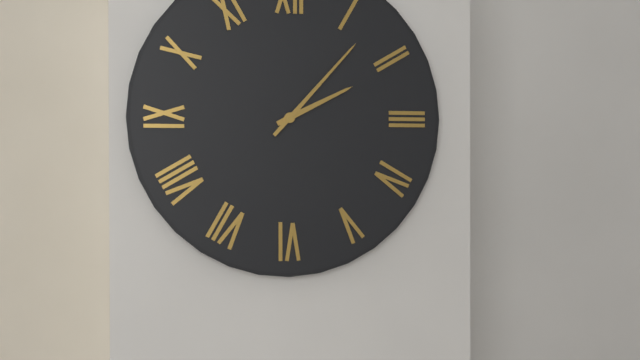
2 h 07 min
